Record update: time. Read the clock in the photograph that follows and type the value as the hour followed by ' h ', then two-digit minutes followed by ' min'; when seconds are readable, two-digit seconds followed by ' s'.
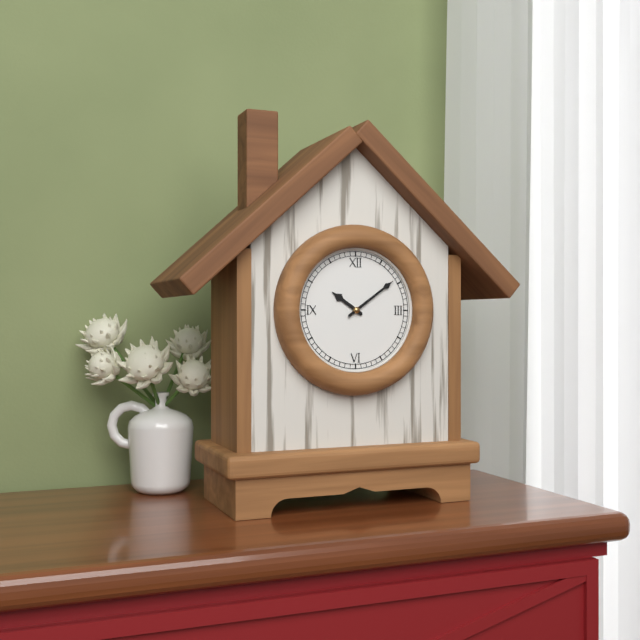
10 h 09 min
